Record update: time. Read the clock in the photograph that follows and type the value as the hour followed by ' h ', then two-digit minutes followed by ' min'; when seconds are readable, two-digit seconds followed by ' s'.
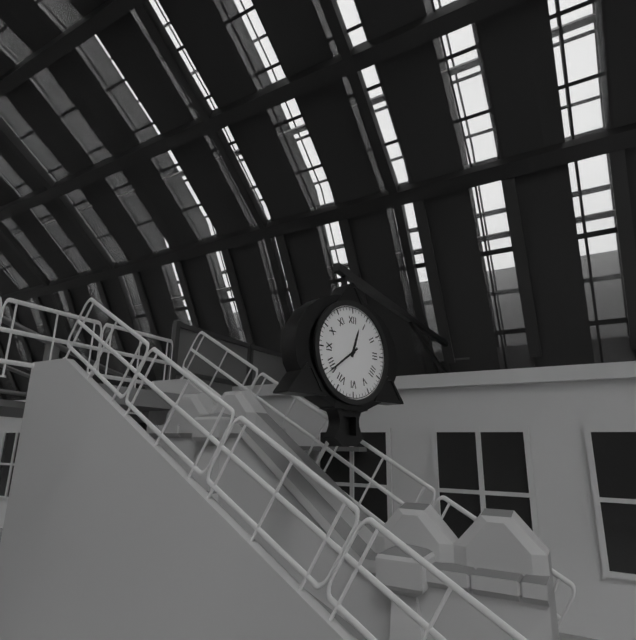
12 h 39 min
